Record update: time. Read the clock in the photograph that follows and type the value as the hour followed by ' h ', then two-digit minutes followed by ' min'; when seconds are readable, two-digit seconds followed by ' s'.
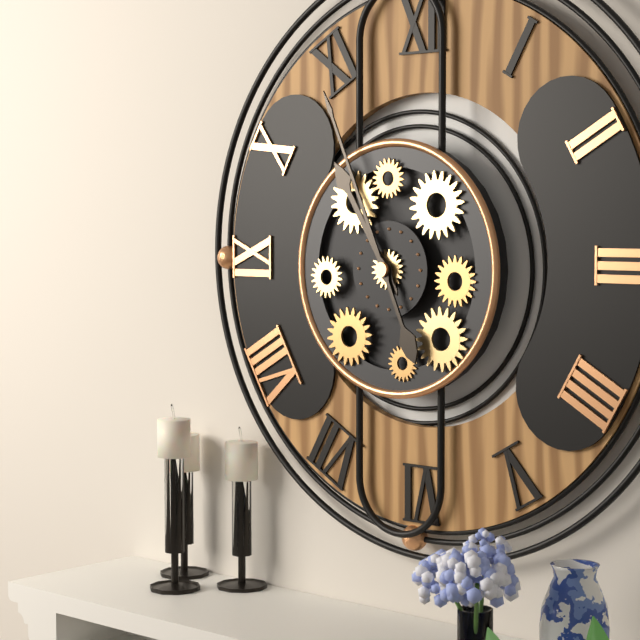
10 h 56 min
